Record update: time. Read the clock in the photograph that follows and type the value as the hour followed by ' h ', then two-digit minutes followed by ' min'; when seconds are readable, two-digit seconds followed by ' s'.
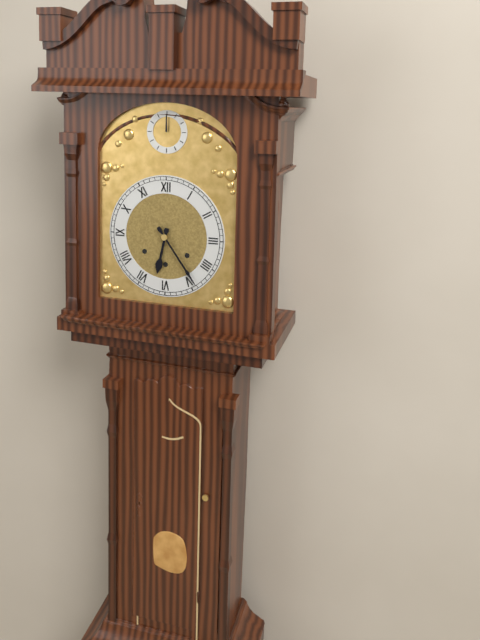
6 h 24 min
